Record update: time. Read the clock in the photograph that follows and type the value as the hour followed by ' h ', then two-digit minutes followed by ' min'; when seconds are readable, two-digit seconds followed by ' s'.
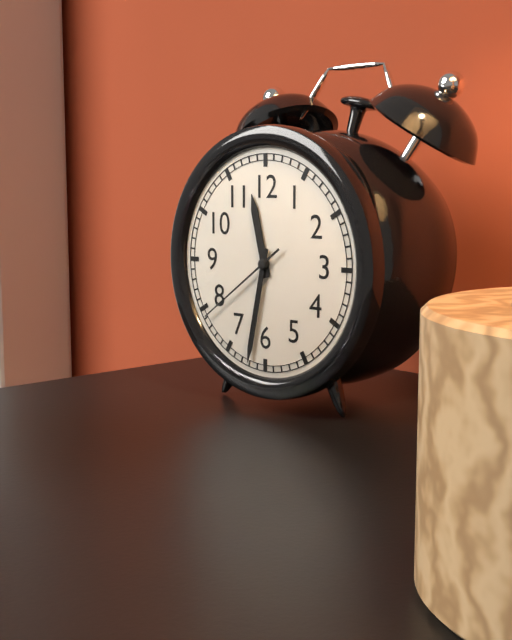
11 h 32 min 39 s
